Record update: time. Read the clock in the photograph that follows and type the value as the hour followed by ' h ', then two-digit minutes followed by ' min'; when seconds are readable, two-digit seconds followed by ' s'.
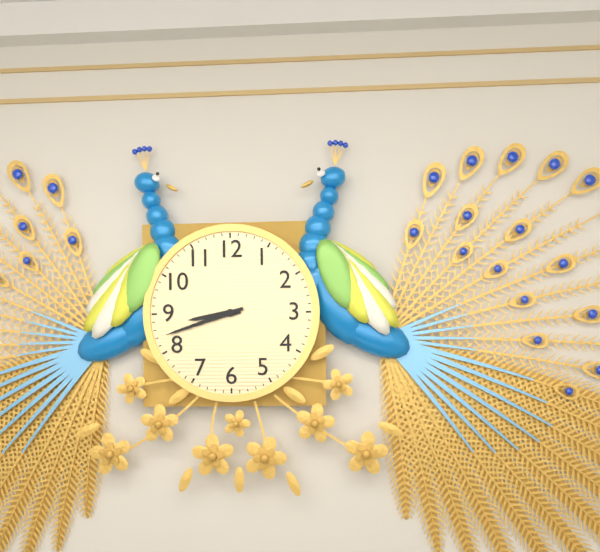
8 h 42 min
